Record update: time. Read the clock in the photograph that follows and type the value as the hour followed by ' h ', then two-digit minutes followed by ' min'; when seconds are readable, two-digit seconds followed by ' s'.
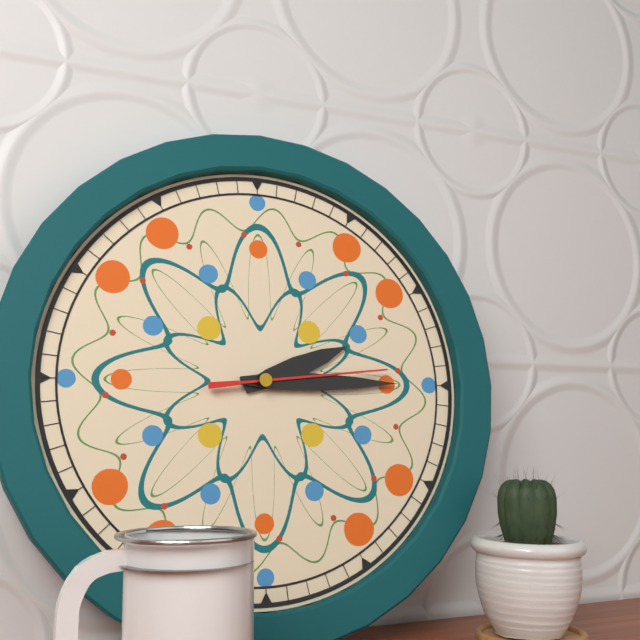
2 h 15 min 14 s
